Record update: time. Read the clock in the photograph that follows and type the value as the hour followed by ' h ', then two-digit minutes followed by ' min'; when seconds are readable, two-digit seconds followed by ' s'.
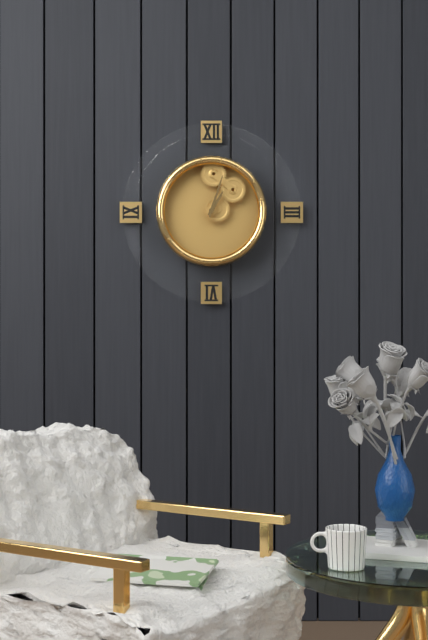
1 h 03 min
